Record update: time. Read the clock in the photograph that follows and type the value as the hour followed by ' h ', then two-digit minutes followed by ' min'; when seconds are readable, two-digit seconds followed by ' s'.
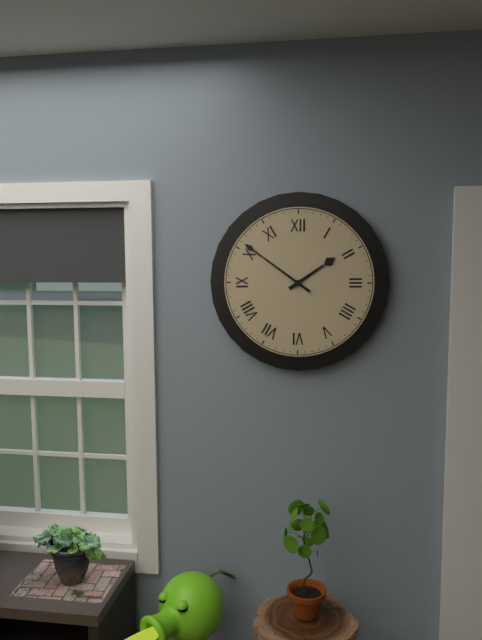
1 h 51 min
